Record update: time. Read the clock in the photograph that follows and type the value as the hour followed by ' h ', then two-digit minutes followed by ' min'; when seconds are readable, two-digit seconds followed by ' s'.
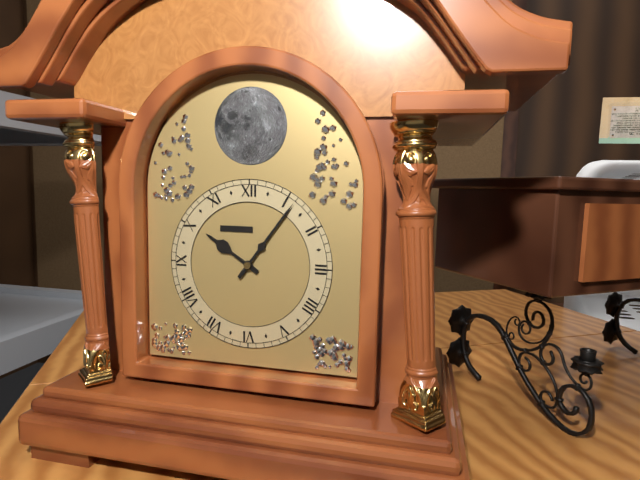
10 h 06 min
